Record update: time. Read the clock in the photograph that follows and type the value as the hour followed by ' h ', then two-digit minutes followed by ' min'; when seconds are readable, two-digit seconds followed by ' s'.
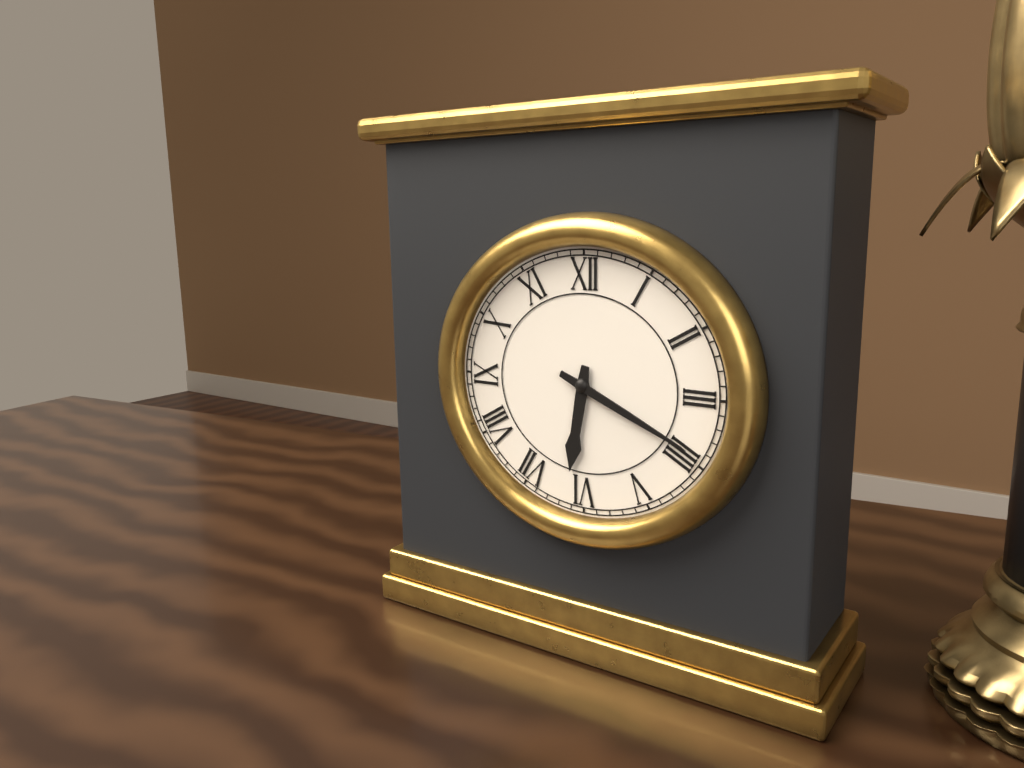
6 h 19 min
